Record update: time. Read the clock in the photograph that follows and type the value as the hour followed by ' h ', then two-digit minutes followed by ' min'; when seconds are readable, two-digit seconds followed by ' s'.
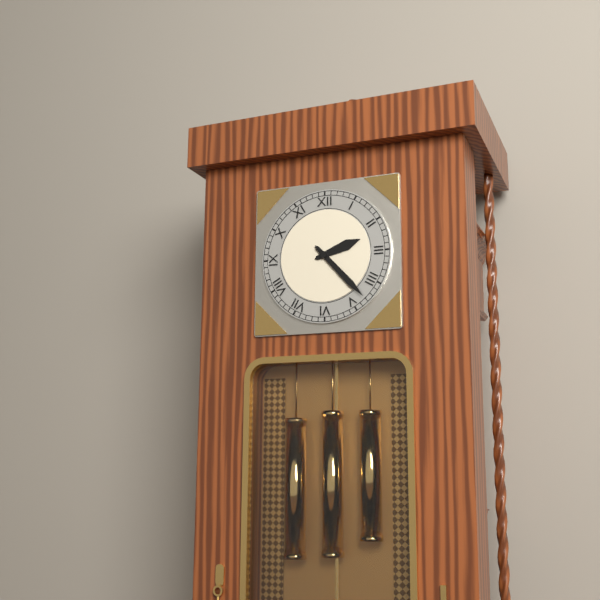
2 h 23 min
